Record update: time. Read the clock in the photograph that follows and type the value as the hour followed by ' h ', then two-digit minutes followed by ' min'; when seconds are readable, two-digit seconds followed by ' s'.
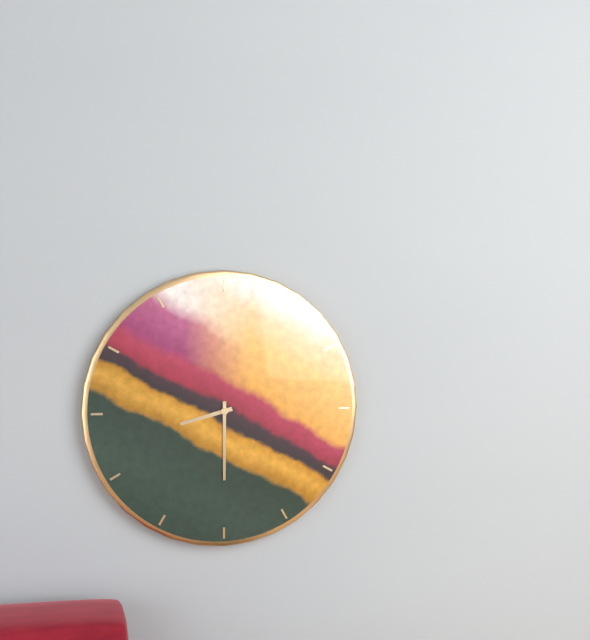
8 h 30 min
